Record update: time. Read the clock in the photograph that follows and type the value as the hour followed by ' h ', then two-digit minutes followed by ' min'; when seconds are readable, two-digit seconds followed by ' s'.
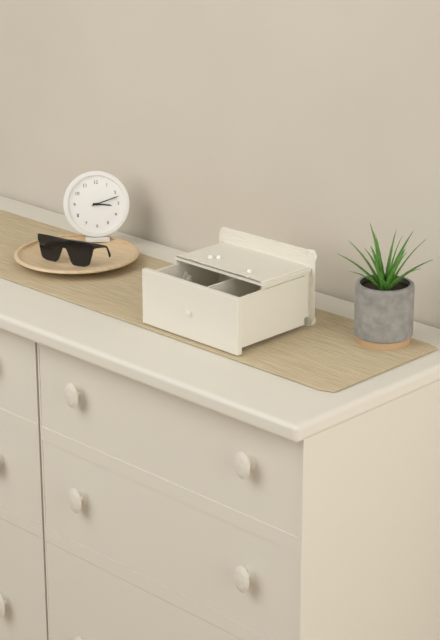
3 h 12 min
